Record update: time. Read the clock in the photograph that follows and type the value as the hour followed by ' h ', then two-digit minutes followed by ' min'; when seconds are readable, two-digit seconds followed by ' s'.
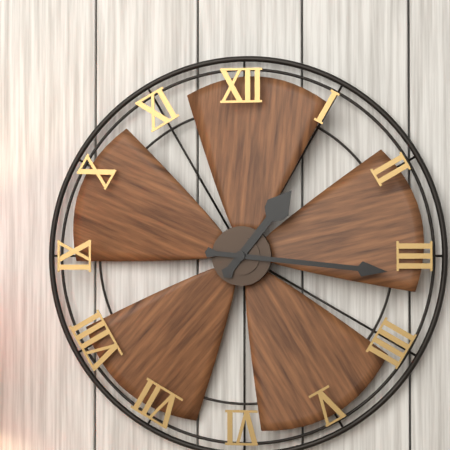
1 h 16 min
